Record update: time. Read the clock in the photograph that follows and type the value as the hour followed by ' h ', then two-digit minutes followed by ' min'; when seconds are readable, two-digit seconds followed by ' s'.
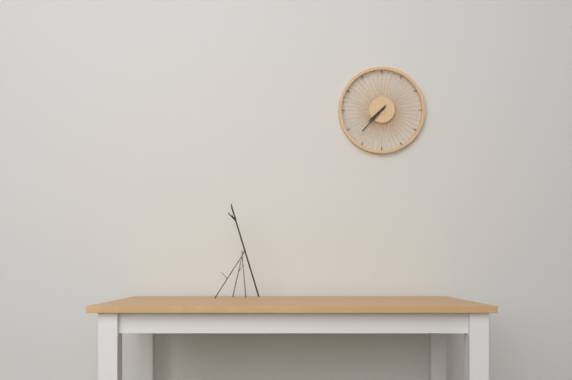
7 h 37 min
